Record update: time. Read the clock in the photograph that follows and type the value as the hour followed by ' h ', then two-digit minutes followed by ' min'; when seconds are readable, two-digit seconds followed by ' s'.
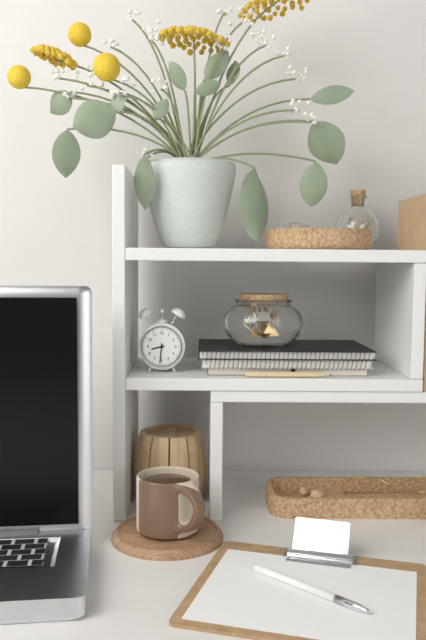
8 h 31 min
